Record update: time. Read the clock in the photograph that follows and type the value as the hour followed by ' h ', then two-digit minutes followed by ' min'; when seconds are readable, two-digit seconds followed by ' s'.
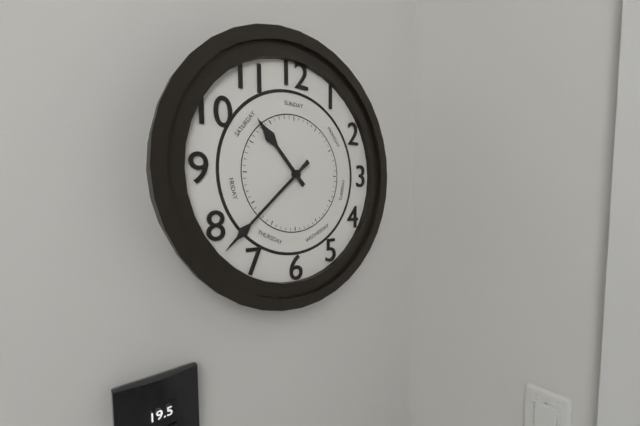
10 h 38 min
